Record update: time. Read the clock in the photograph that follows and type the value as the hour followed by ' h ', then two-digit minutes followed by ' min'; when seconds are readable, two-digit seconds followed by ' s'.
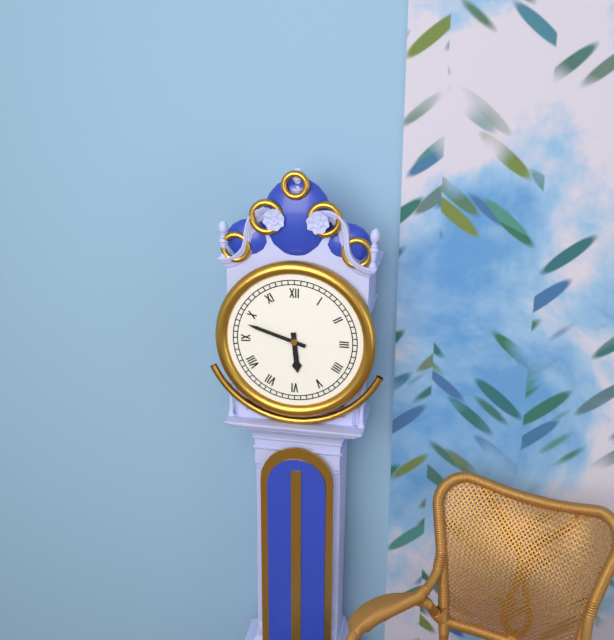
5 h 48 min
